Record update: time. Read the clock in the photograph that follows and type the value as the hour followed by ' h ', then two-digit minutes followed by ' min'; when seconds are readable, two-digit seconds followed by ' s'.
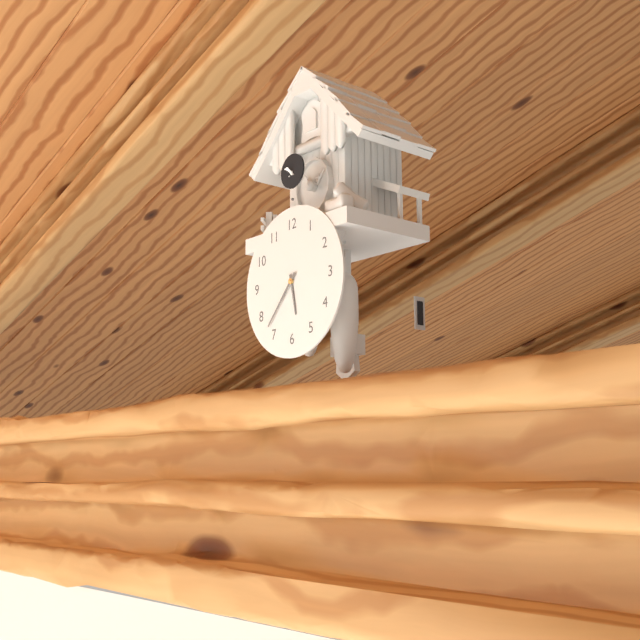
5 h 37 min
